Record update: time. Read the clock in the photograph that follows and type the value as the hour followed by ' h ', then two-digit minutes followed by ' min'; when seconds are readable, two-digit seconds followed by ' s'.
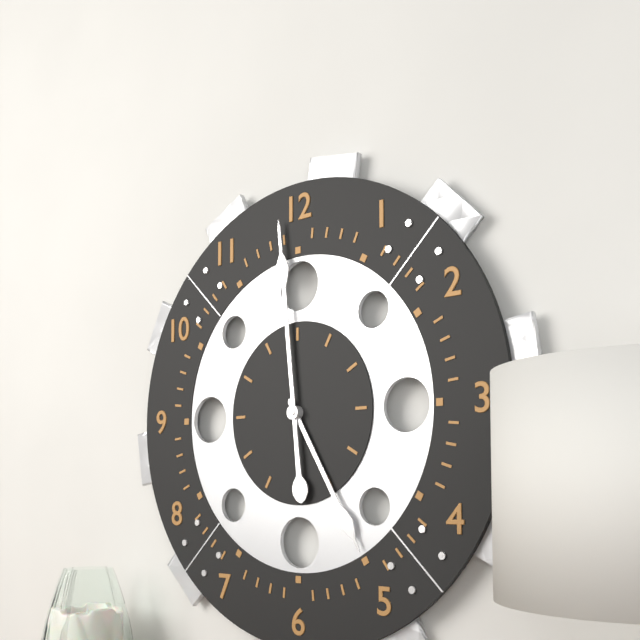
4 h 59 min
